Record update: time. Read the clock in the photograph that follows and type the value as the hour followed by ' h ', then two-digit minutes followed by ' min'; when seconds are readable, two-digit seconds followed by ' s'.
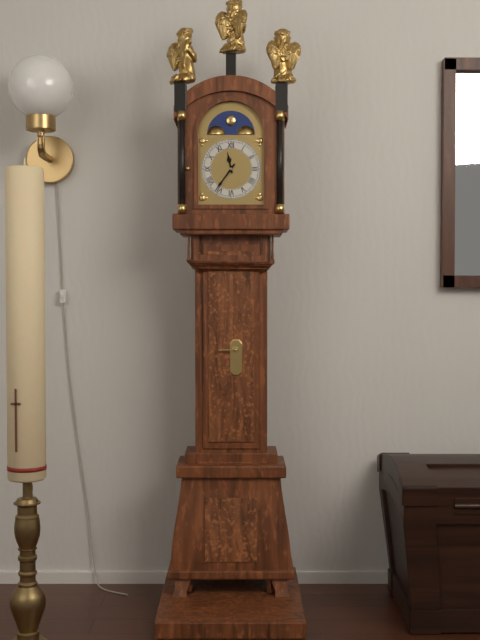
11 h 36 min
